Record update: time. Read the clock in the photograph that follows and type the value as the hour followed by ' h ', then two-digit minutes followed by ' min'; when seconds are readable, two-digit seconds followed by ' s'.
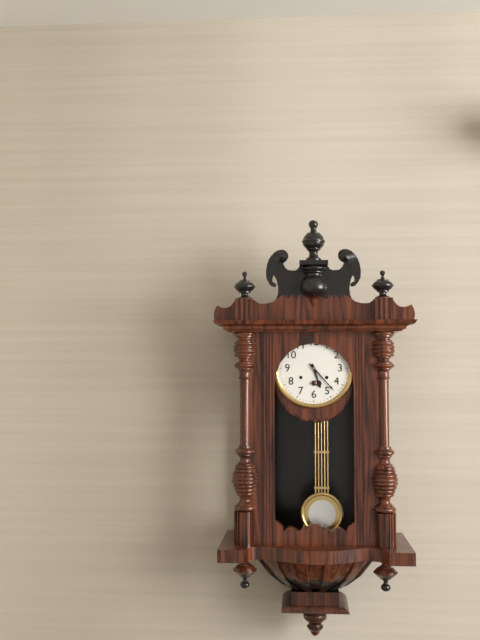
5 h 23 min
